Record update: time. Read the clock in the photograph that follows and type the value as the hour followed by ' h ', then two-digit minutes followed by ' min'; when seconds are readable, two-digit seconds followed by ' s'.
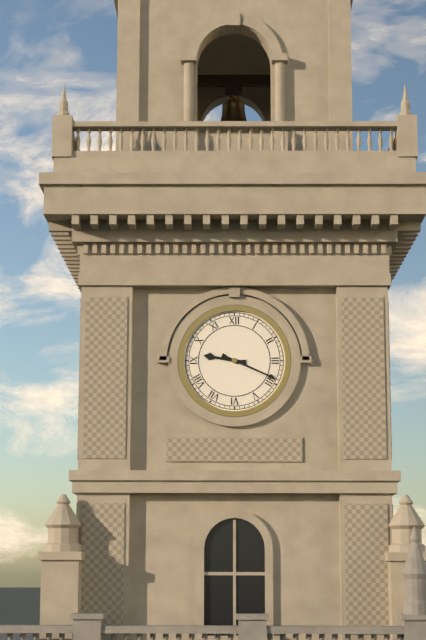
9 h 19 min
